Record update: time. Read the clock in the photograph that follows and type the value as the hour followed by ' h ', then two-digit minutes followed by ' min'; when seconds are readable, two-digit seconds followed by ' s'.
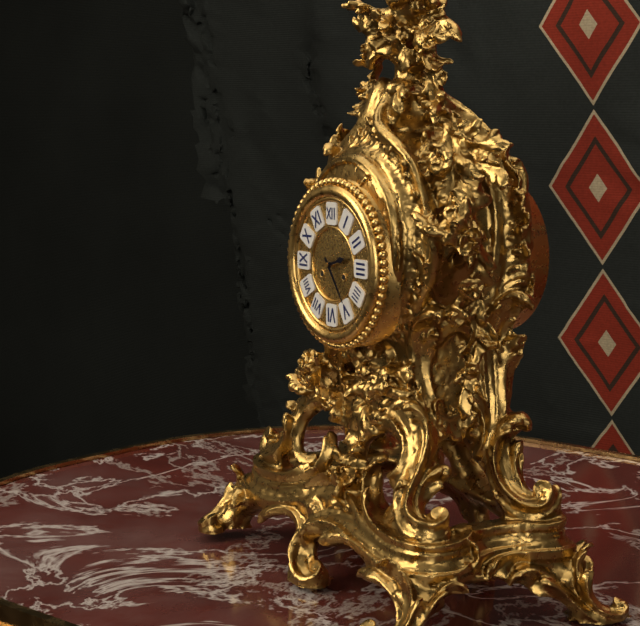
2 h 24 min
